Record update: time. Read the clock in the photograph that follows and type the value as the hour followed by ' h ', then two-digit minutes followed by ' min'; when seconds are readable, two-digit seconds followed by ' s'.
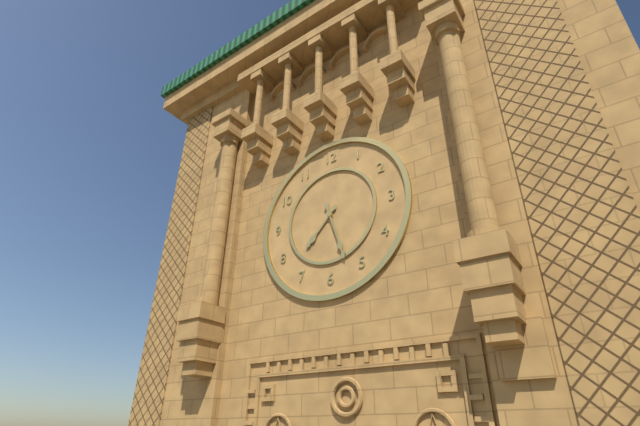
7 h 27 min
